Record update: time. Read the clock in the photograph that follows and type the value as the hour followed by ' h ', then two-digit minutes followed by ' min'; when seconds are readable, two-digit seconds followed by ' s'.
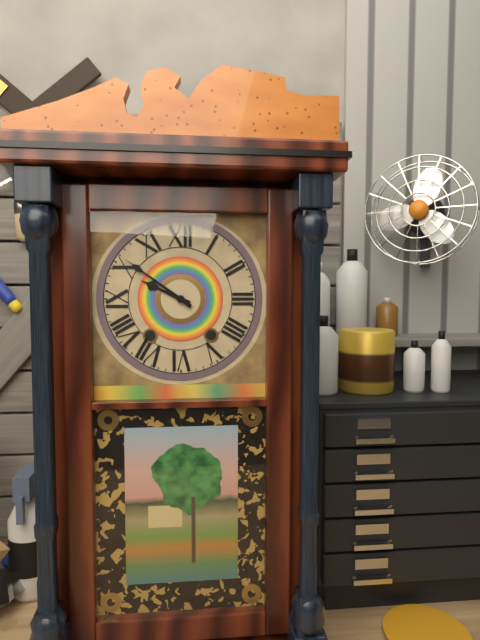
9 h 51 min
